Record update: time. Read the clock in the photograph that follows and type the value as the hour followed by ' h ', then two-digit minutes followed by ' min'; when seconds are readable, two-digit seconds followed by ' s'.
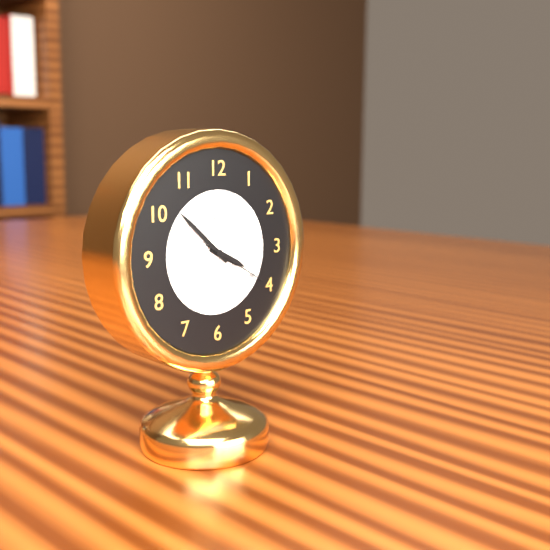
3 h 52 min 20 s
